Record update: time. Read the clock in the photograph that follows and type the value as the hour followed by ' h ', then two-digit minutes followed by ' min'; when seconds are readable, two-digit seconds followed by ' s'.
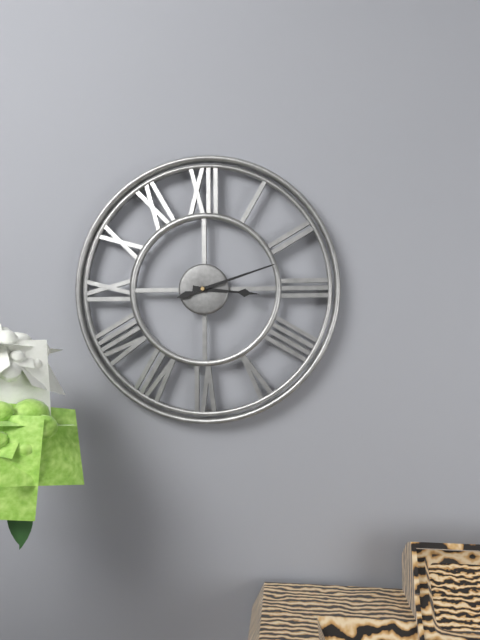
3 h 12 min
